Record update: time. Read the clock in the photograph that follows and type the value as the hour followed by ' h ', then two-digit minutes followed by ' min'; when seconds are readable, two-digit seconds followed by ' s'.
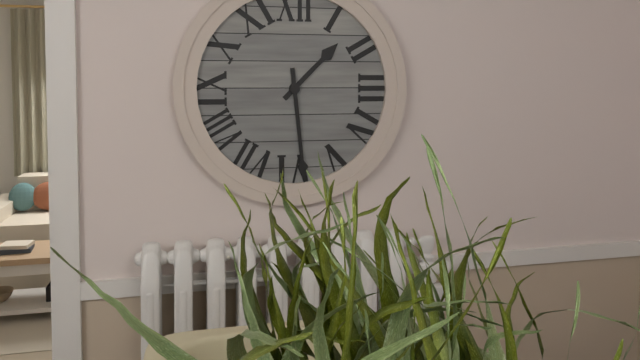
1 h 29 min
